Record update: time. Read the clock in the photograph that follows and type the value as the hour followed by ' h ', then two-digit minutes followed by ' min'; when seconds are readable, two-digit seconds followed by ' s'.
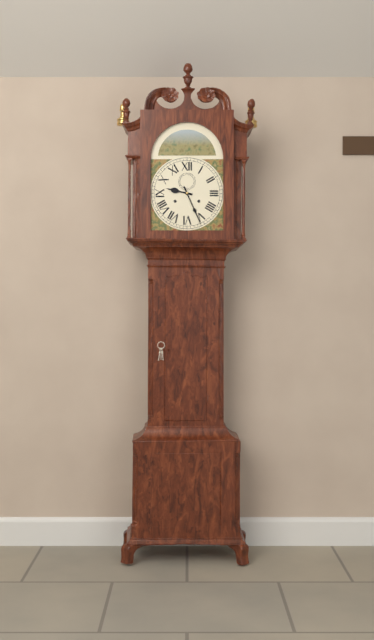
9 h 26 min
